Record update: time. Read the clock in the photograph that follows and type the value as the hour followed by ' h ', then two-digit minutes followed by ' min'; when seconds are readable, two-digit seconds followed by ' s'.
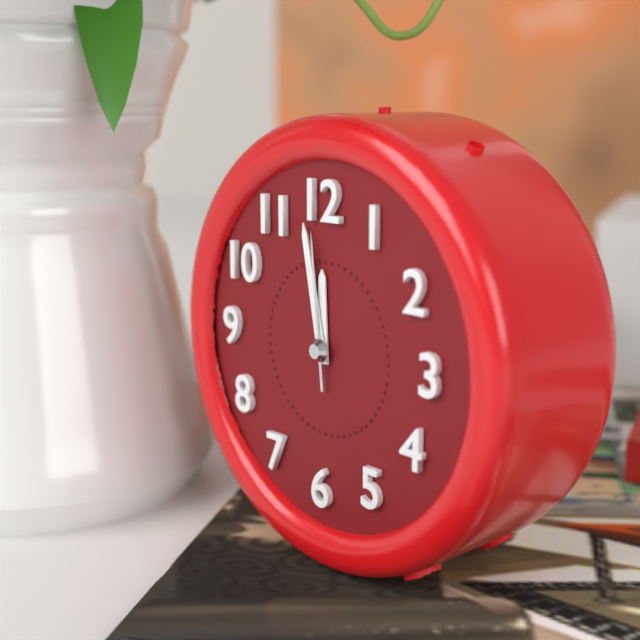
11 h 58 min 59 s
